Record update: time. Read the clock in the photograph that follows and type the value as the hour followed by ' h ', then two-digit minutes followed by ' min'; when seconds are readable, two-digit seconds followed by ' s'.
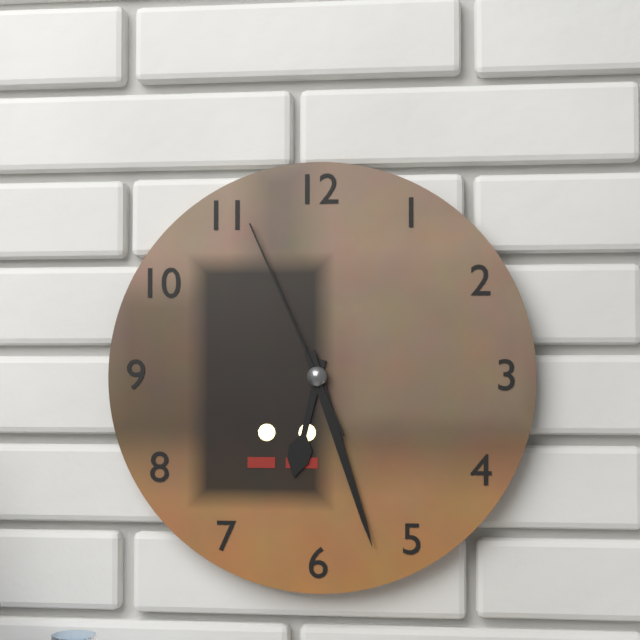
6 h 27 min 56 s
